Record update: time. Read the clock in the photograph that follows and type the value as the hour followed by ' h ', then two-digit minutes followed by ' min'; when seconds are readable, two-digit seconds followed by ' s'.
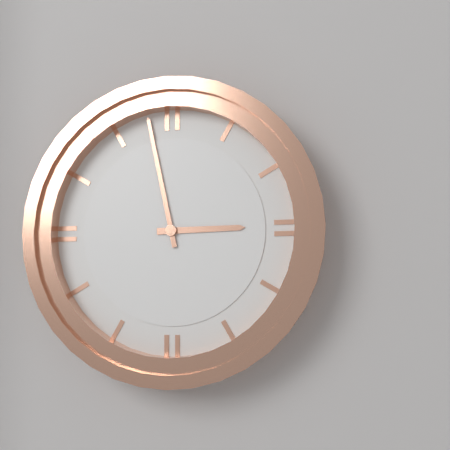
2 h 58 min
